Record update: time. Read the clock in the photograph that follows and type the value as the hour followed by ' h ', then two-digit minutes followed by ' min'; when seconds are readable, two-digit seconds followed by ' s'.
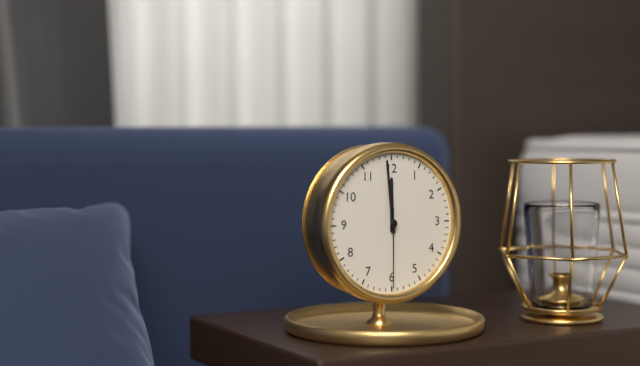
11 h 59 min 30 s
